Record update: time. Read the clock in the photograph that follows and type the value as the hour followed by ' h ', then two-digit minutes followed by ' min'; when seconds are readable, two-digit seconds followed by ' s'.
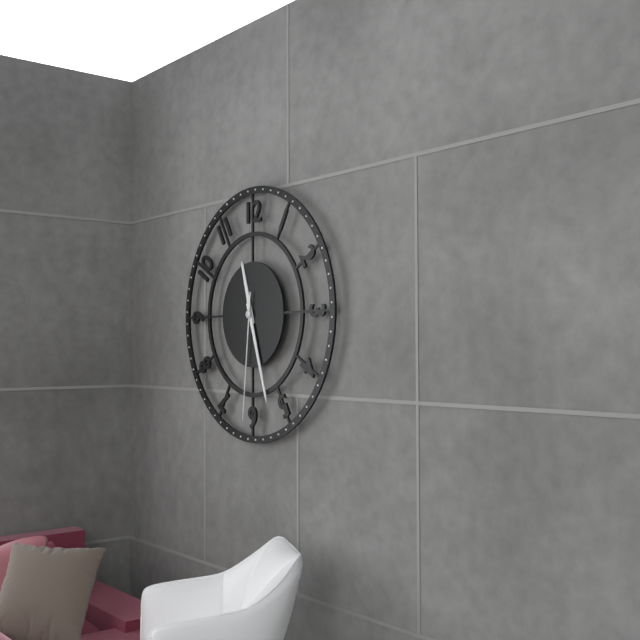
11 h 27 min 31 s
